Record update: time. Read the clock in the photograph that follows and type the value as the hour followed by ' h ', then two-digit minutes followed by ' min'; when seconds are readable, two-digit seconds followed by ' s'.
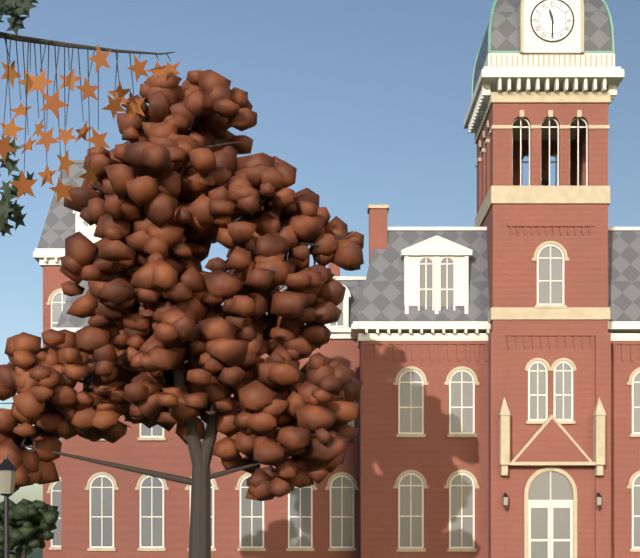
11 h 30 min
